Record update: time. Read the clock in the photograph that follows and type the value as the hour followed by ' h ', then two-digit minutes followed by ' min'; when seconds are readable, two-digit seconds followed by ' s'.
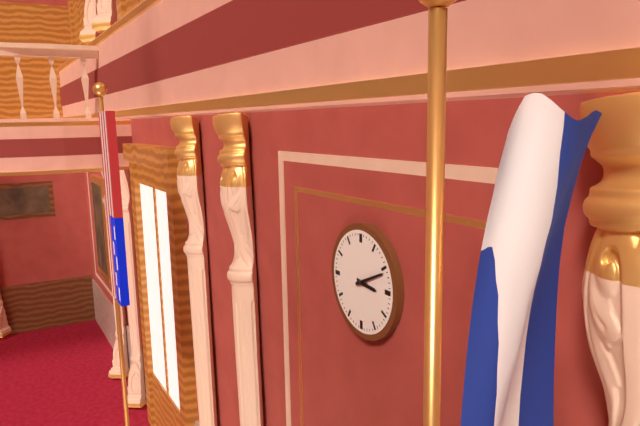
3 h 11 min
